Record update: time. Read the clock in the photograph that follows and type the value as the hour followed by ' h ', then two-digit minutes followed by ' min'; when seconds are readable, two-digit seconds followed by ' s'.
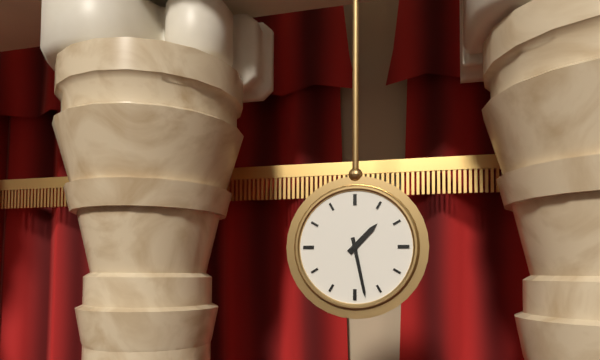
1 h 28 min
